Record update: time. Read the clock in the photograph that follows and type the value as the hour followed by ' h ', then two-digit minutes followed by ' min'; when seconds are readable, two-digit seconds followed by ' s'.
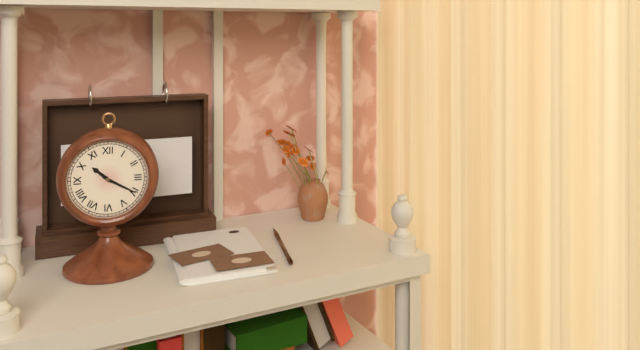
10 h 20 min
